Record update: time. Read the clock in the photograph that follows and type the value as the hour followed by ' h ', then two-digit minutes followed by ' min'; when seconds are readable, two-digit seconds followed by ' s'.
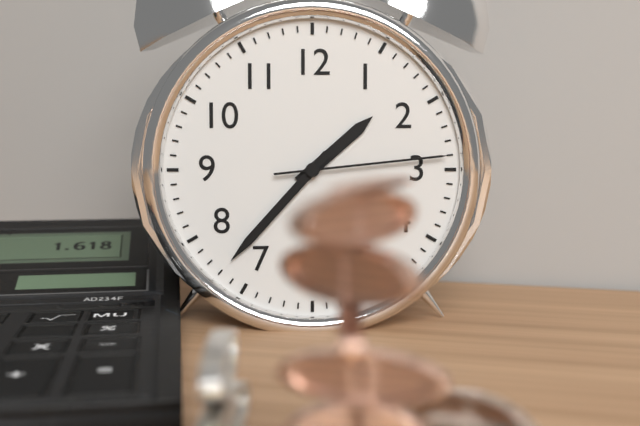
1 h 37 min 14 s
